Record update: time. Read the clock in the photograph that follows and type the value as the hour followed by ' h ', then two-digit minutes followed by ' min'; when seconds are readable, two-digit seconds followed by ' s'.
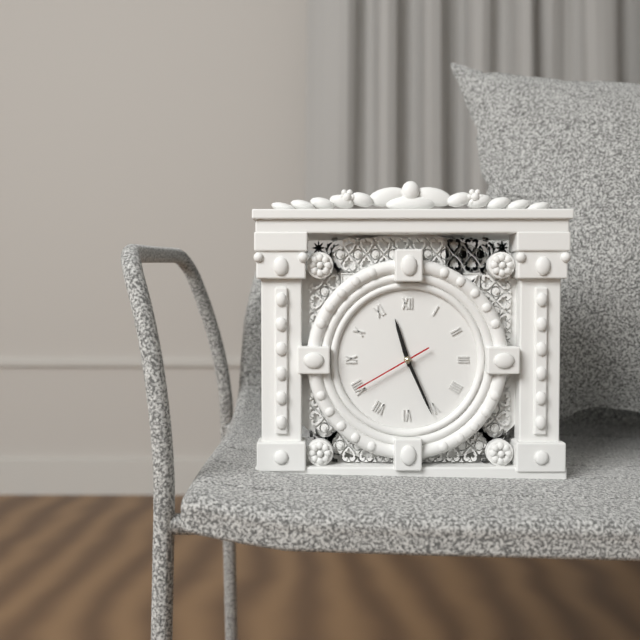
11 h 26 min 40 s
